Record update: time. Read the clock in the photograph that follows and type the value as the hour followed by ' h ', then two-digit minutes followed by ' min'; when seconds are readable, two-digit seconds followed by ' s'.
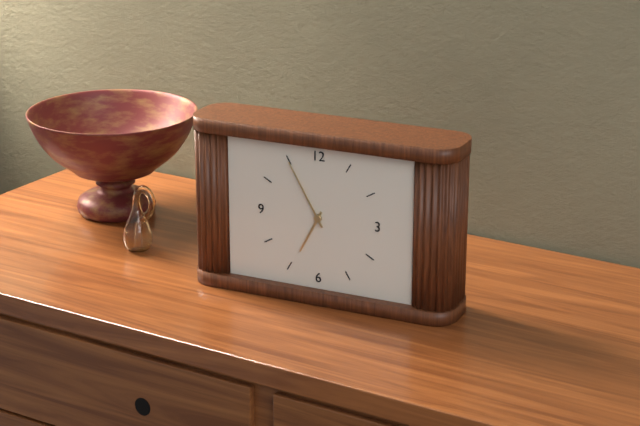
6 h 55 min
